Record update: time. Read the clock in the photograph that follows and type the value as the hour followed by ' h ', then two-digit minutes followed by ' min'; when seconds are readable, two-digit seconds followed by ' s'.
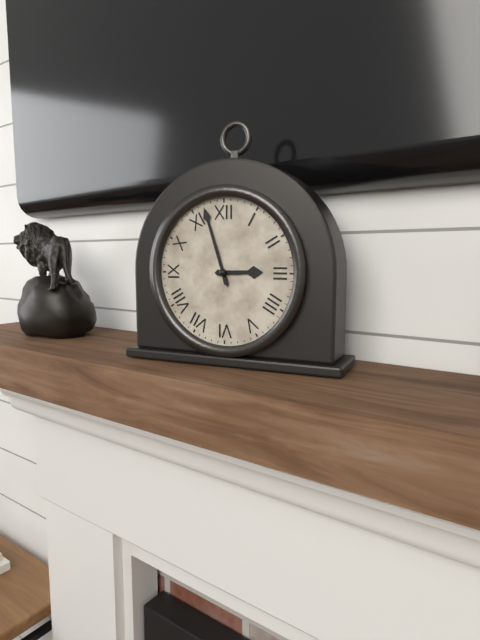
2 h 57 min
